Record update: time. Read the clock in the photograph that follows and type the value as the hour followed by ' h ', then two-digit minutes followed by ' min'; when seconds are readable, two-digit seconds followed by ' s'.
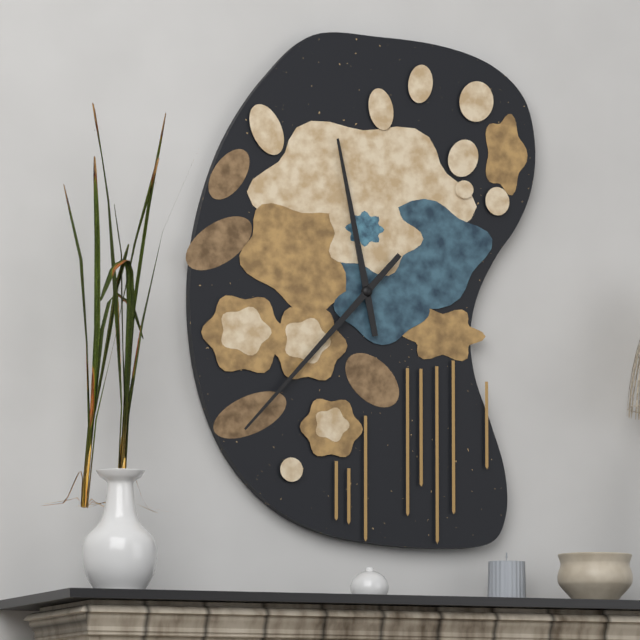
11 h 37 min
